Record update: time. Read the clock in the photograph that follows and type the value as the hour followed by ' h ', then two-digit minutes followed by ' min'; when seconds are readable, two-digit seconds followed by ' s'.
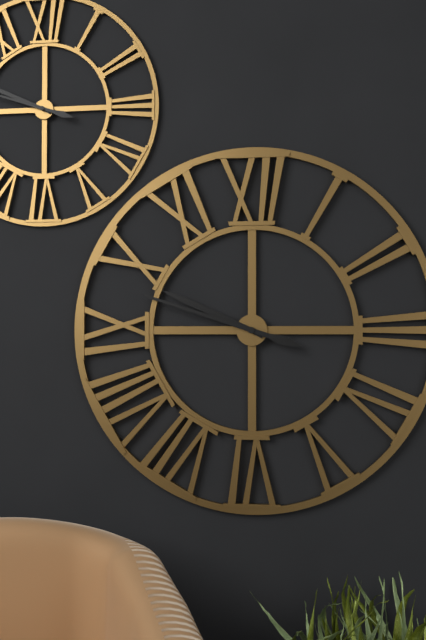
9 h 48 min
